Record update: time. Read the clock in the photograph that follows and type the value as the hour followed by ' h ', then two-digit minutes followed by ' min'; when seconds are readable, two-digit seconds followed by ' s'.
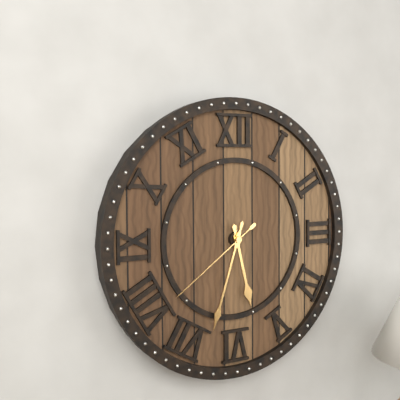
5 h 33 min 39 s
